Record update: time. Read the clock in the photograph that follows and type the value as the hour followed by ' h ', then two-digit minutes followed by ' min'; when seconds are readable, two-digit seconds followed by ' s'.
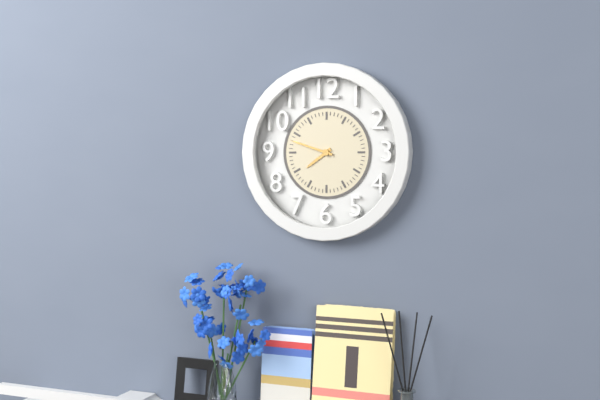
7 h 48 min
